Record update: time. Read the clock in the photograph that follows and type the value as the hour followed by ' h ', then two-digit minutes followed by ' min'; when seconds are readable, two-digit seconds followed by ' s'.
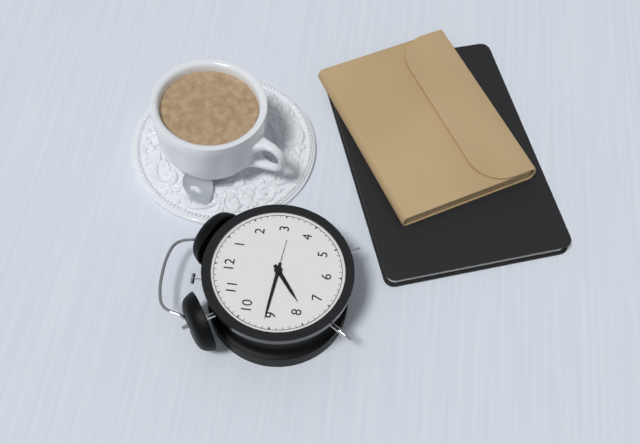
7 h 46 min
